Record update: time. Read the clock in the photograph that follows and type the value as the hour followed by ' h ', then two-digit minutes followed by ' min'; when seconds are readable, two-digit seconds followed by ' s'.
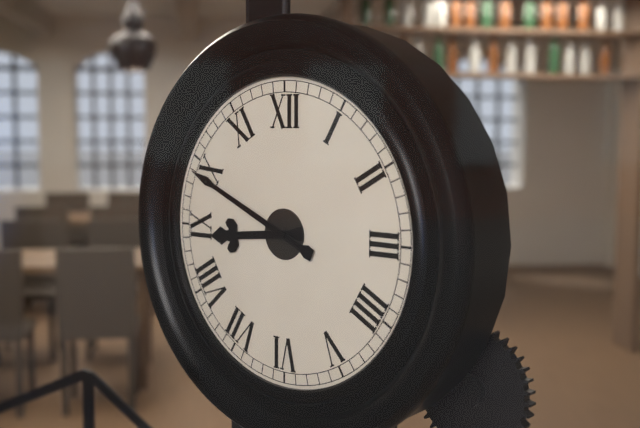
8 h 49 min
